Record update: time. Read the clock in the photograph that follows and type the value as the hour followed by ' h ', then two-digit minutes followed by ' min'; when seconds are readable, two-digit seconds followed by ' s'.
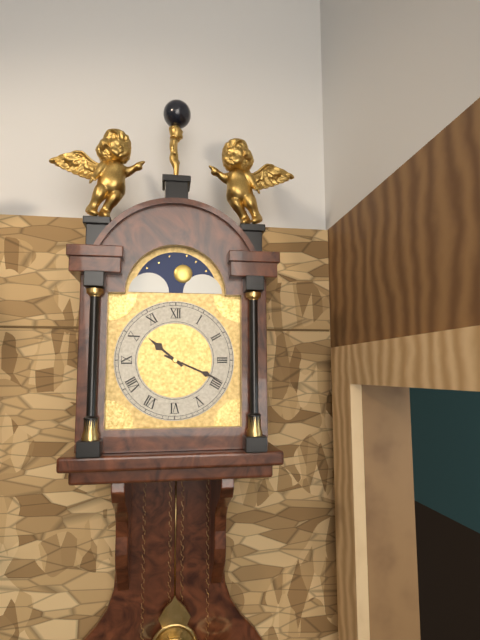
10 h 19 min
